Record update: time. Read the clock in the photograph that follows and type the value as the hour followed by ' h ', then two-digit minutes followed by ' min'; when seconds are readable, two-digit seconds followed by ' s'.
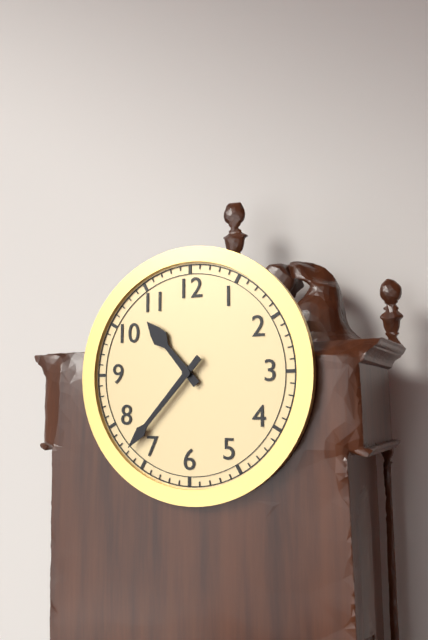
10 h 37 min
